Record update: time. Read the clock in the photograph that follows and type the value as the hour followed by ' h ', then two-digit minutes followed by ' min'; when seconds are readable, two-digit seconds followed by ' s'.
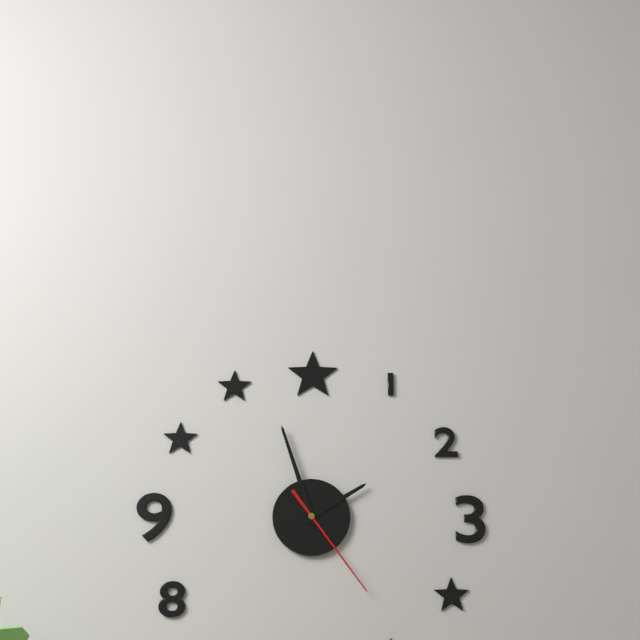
1 h 57 min 24 s
